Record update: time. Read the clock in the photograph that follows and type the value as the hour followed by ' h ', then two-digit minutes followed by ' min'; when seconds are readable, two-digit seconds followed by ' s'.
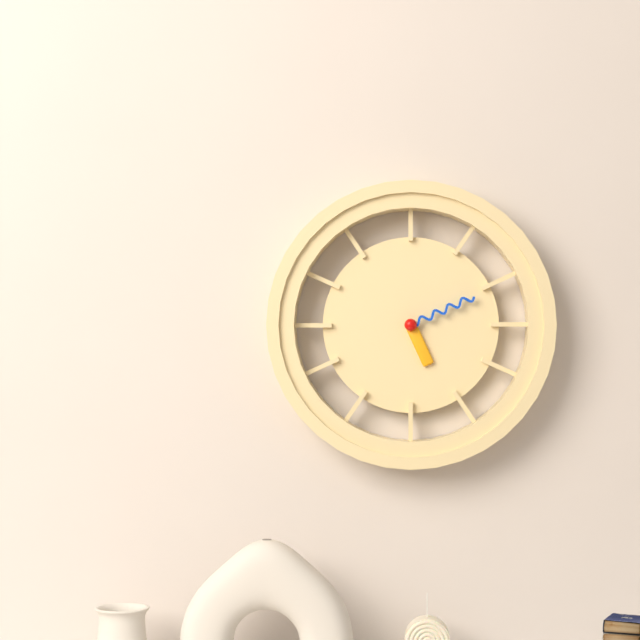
5 h 11 min
